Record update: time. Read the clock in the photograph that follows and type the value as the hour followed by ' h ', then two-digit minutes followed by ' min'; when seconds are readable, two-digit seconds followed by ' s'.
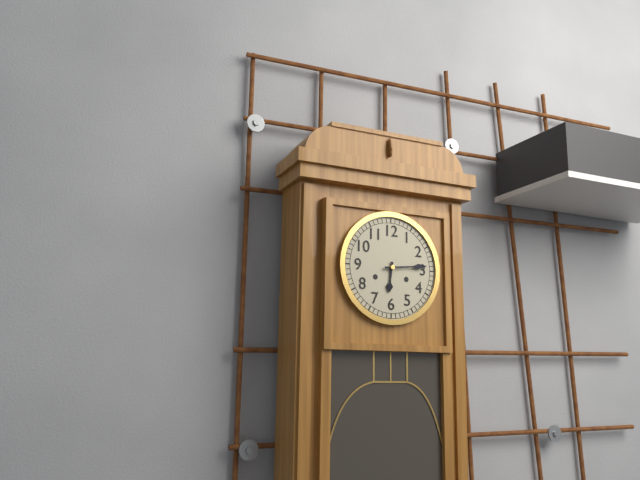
6 h 14 min
